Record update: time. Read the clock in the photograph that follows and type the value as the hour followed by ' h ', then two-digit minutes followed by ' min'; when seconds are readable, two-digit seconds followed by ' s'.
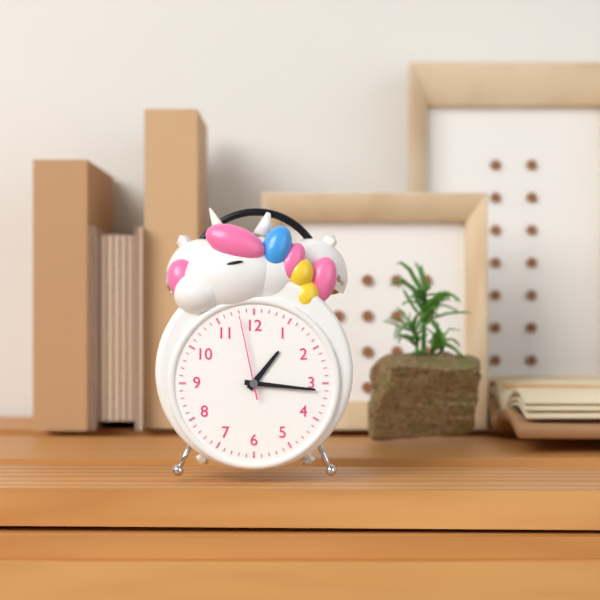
1 h 16 min 58 s
